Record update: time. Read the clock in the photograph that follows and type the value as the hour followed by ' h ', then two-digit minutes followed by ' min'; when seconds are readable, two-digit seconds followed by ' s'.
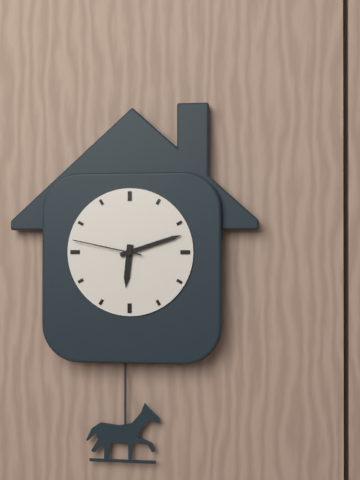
6 h 12 min 47 s
